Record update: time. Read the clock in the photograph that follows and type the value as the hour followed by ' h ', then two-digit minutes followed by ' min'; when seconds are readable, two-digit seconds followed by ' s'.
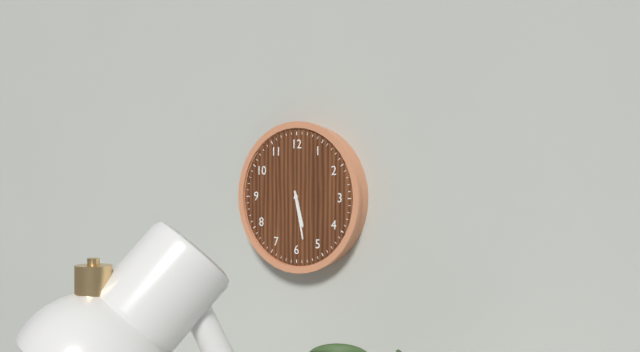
5 h 28 min
